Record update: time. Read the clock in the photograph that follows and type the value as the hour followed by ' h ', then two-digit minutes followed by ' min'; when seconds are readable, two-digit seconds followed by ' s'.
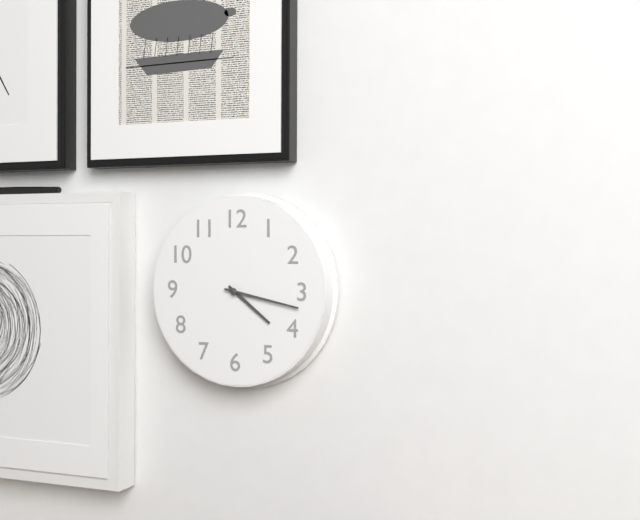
4 h 17 min
